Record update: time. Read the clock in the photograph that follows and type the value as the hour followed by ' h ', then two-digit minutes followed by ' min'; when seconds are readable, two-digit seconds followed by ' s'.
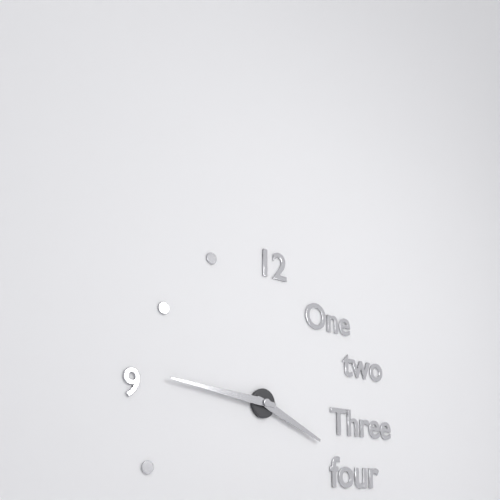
3 h 46 min
